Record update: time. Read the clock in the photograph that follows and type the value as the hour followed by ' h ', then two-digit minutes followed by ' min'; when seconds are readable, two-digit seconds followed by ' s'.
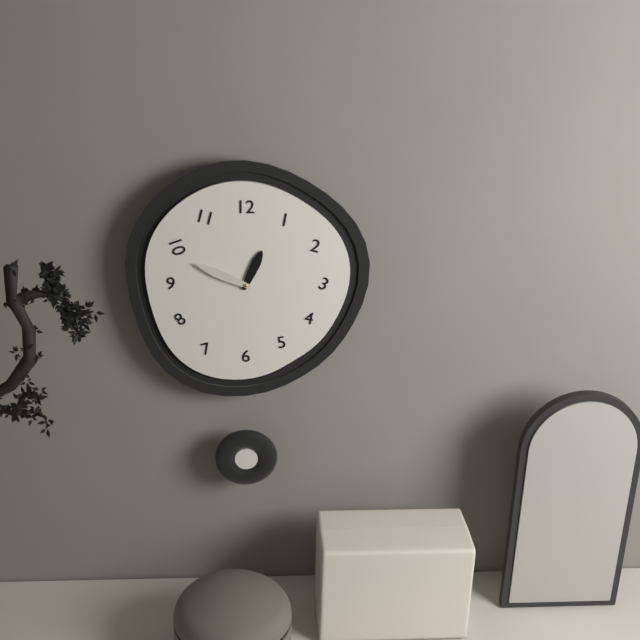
12 h 49 min
